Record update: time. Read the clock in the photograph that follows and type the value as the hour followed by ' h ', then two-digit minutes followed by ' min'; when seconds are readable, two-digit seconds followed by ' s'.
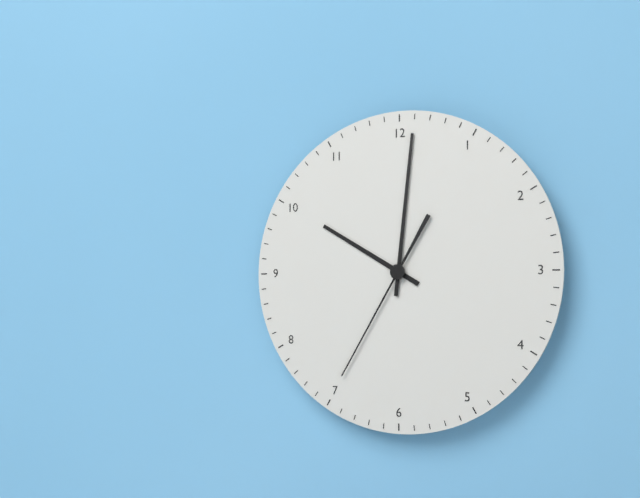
10 h 01 min 35 s
